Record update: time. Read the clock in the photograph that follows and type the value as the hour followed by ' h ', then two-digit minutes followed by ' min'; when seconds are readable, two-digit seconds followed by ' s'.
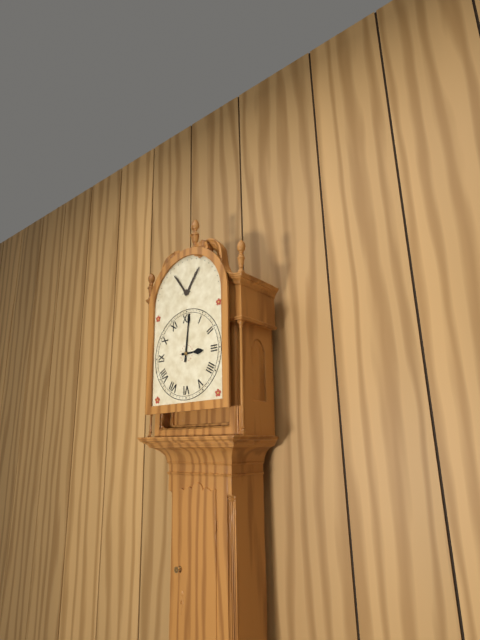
3 h 01 min
